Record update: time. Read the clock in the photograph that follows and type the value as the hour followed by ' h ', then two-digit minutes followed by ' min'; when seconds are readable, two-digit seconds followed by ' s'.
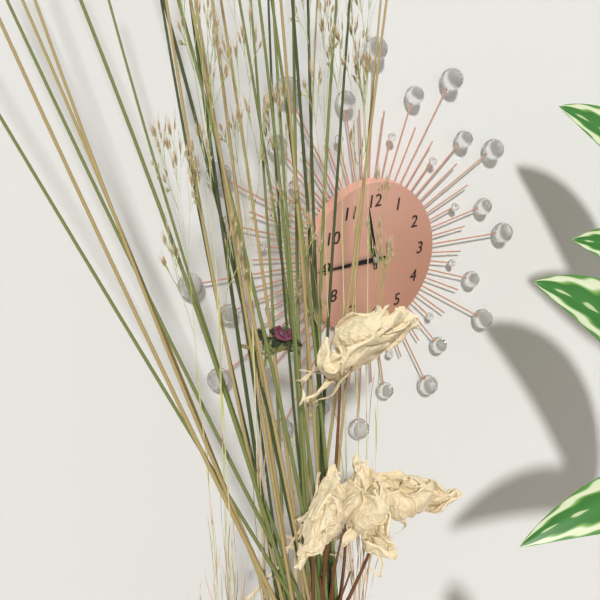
11 h 45 min
